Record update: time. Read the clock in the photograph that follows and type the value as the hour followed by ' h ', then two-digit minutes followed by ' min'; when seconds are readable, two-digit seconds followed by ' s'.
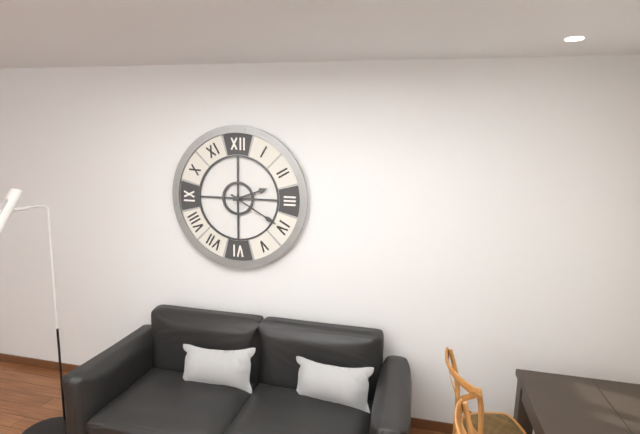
2 h 20 min
